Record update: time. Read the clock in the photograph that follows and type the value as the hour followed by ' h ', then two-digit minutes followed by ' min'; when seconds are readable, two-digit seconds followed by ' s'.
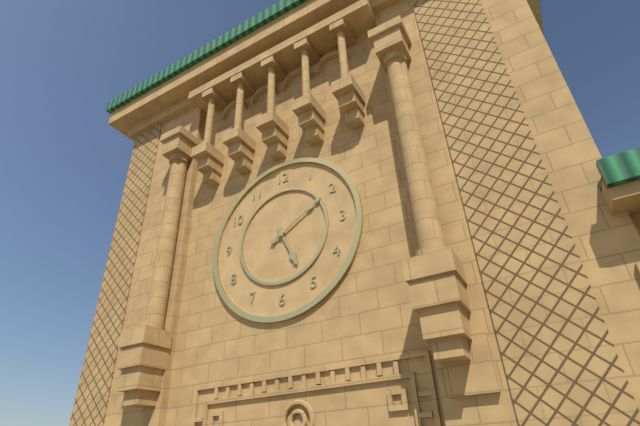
5 h 10 min
